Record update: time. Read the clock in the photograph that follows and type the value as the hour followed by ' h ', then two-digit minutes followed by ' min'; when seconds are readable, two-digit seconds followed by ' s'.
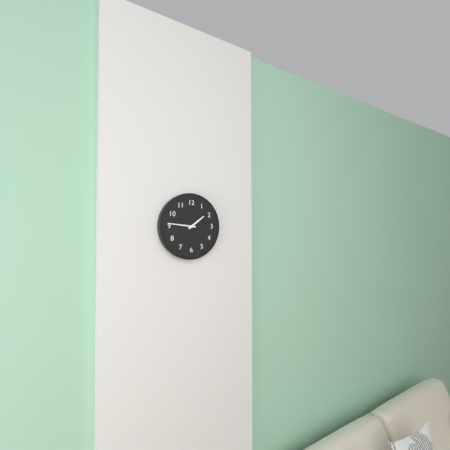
1 h 46 min
